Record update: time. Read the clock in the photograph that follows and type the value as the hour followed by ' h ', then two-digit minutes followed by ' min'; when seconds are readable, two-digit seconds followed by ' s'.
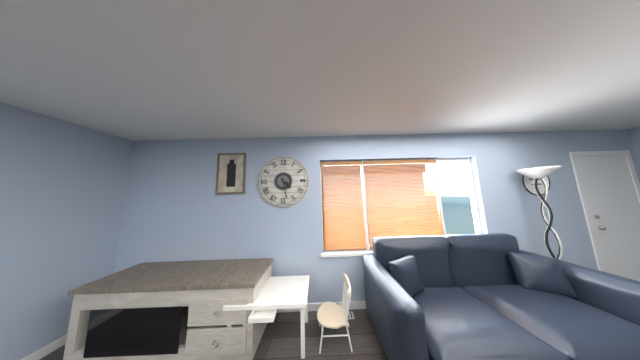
4 h 28 min
